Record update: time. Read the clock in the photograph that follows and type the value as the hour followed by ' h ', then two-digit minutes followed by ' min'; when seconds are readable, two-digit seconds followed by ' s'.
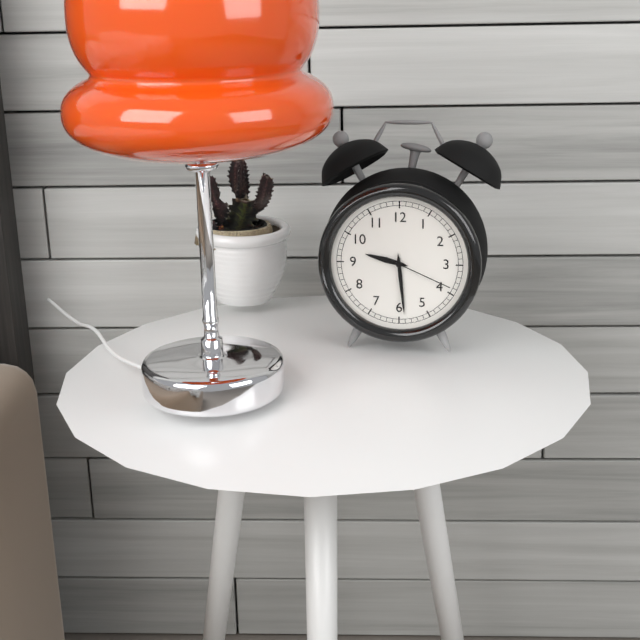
9 h 29 min 19 s
